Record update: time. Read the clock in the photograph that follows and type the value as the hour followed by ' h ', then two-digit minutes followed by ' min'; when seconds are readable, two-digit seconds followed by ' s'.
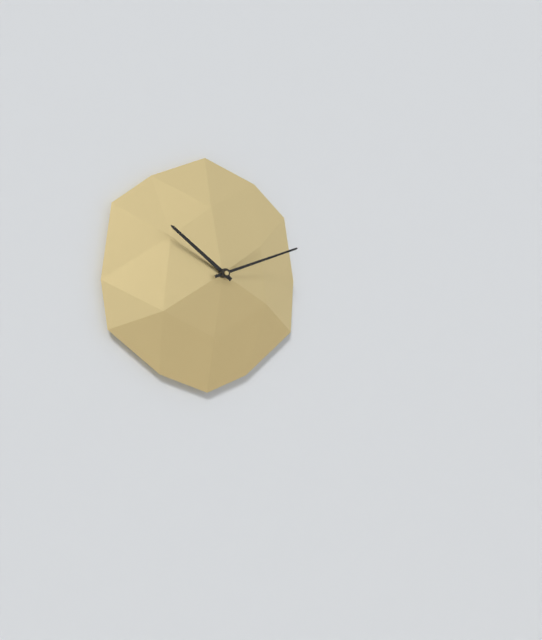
10 h 12 min
